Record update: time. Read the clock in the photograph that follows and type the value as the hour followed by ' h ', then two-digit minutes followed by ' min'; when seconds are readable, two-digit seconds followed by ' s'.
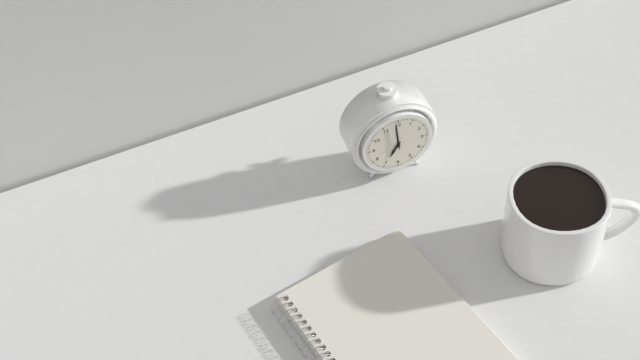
6 h 59 min
